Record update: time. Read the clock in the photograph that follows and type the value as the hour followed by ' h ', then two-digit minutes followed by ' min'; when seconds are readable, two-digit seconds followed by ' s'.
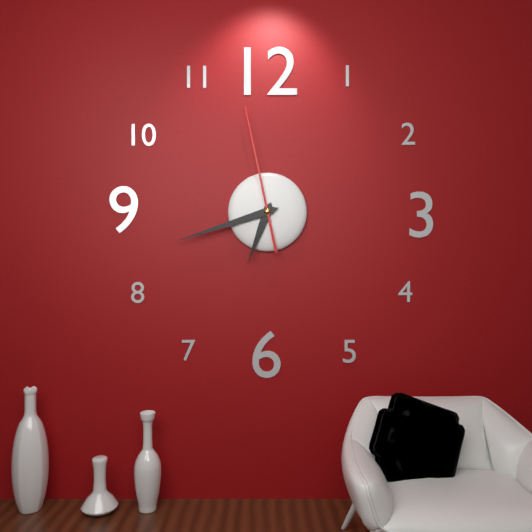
6 h 42 min 58 s
